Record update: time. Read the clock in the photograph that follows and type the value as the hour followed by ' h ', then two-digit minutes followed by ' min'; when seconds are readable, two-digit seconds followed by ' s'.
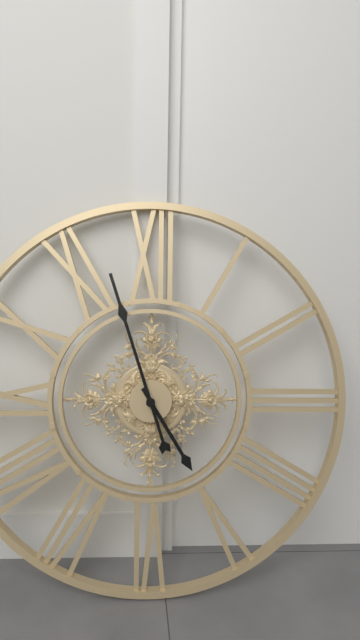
4 h 57 min
